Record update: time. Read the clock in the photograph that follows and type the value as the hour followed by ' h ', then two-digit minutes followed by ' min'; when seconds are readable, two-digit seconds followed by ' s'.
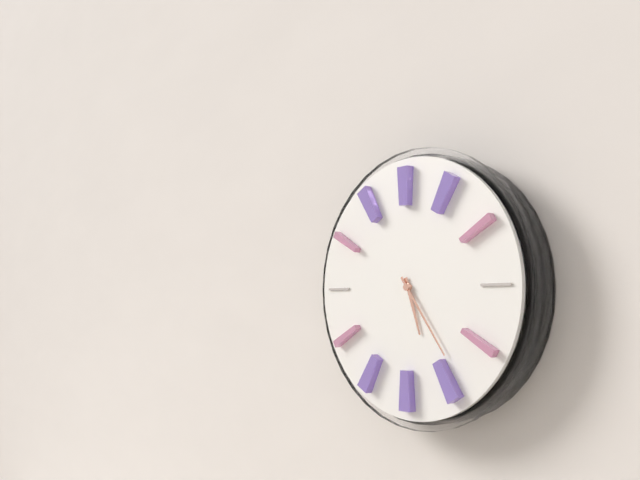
5 h 24 min
